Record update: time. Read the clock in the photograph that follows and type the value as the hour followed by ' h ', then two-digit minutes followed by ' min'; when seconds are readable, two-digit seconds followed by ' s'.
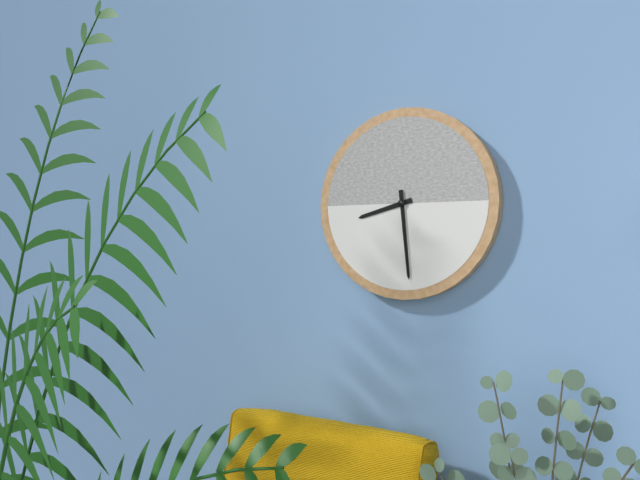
8 h 29 min
